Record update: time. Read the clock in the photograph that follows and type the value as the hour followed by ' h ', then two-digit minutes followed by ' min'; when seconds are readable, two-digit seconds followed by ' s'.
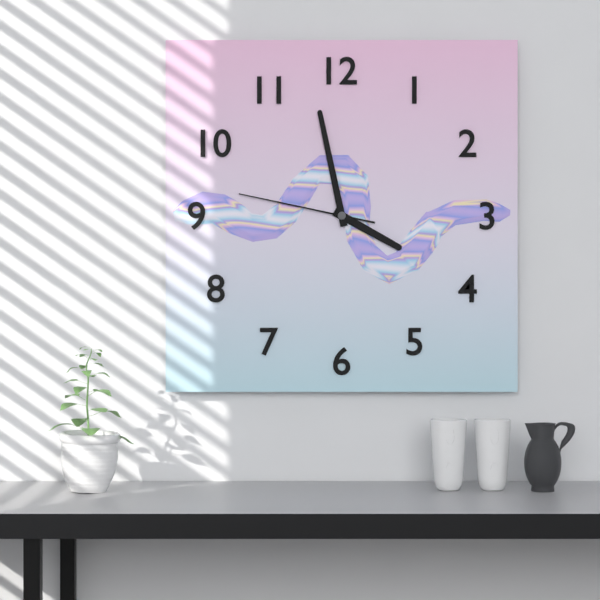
3 h 58 min 47 s
